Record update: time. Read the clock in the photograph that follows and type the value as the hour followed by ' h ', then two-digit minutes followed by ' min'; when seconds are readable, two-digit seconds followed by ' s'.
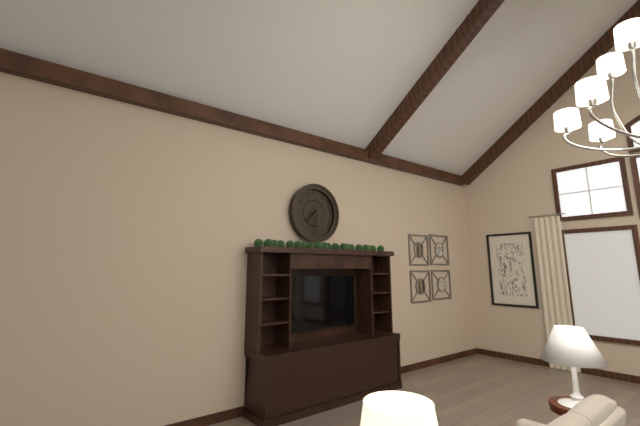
7 h 30 min
